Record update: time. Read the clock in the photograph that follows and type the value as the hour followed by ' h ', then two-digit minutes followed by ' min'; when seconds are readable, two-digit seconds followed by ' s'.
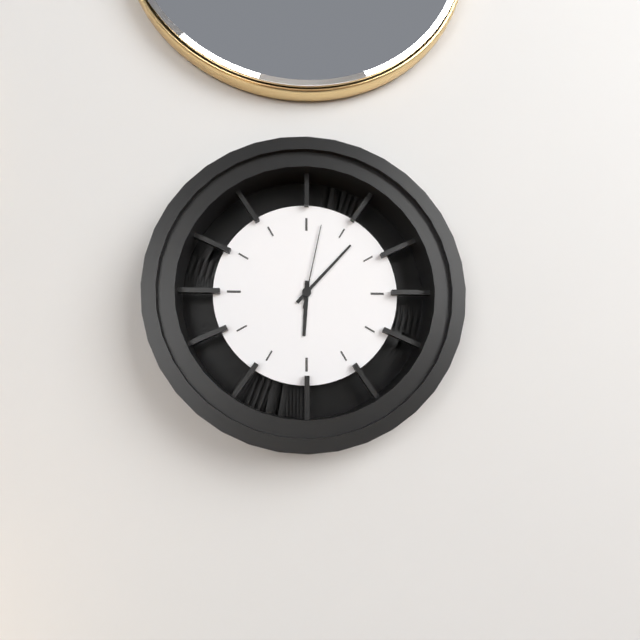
6 h 07 min 02 s
